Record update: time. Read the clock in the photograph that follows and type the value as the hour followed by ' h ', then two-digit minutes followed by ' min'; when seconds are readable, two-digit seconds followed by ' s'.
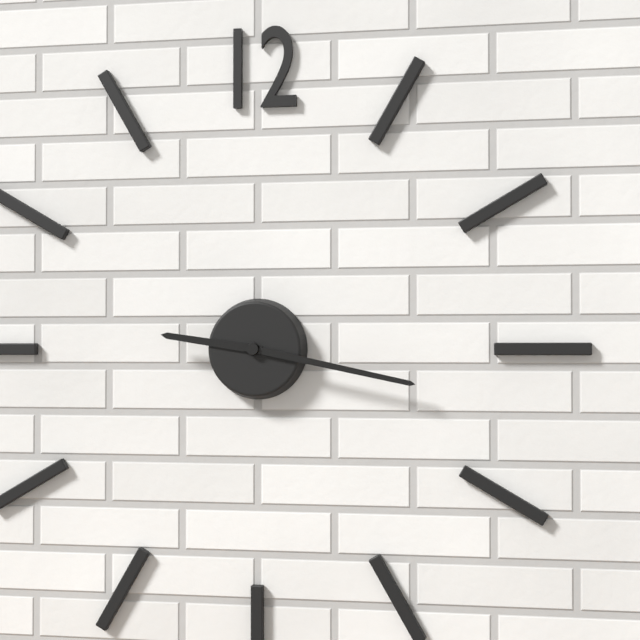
9 h 17 min
